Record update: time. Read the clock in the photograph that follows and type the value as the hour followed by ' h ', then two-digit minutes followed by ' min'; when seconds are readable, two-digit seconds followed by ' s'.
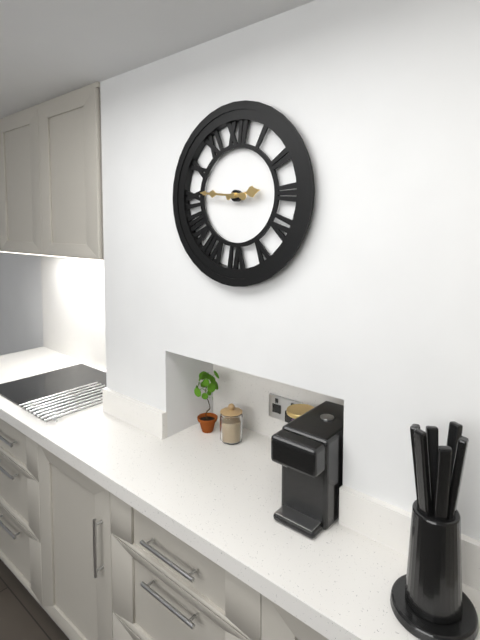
2 h 46 min
